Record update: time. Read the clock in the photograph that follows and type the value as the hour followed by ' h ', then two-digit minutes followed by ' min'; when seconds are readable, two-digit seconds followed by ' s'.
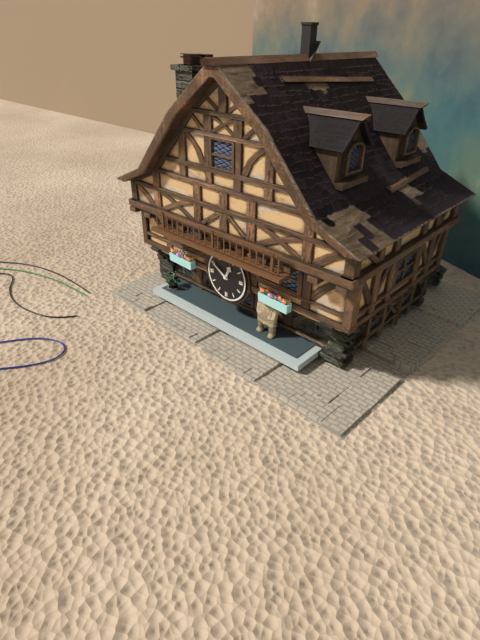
12 h 50 min
